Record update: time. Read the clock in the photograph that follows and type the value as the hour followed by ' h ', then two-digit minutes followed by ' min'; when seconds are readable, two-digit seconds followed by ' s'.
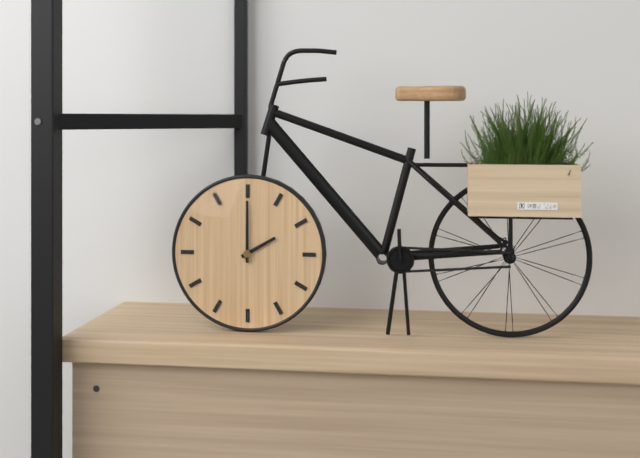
2 h 00 min
